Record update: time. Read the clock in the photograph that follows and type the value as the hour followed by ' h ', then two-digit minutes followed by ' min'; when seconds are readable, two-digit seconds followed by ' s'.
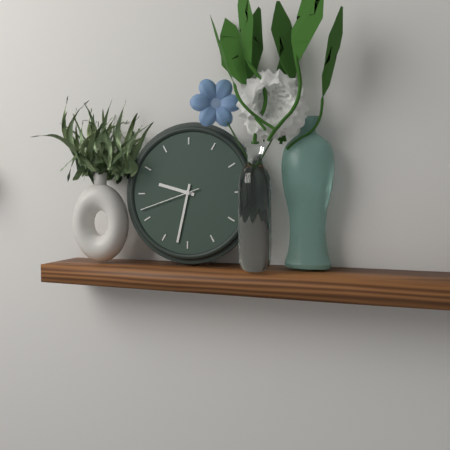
9 h 32 min 42 s
